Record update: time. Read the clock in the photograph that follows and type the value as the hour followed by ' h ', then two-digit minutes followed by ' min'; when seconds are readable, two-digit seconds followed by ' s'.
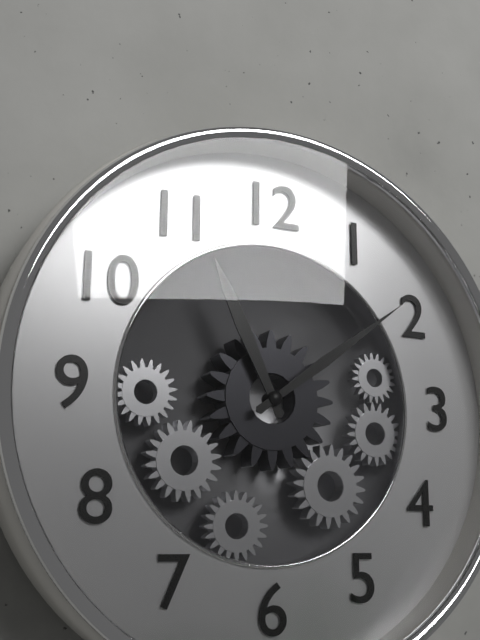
11 h 09 min
